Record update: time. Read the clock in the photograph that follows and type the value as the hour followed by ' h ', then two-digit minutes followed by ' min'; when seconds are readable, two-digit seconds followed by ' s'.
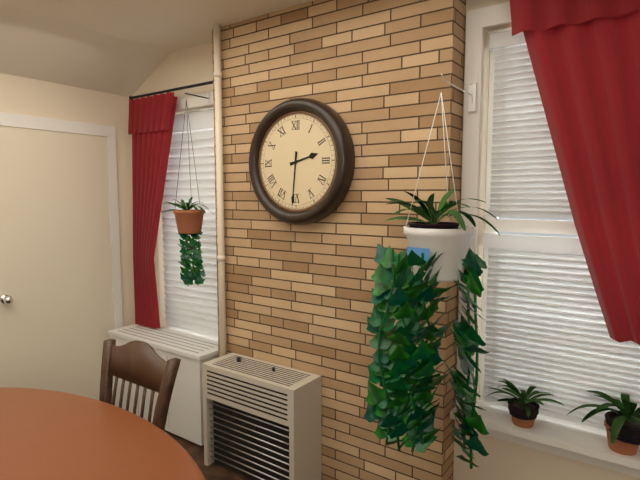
2 h 31 min
